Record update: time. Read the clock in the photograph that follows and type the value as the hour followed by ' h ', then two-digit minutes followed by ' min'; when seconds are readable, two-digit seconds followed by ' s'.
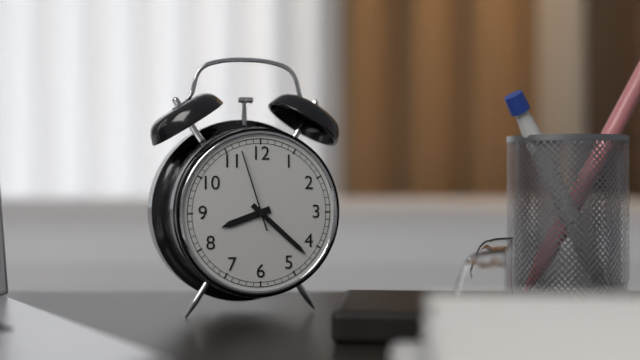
8 h 22 min 57 s
